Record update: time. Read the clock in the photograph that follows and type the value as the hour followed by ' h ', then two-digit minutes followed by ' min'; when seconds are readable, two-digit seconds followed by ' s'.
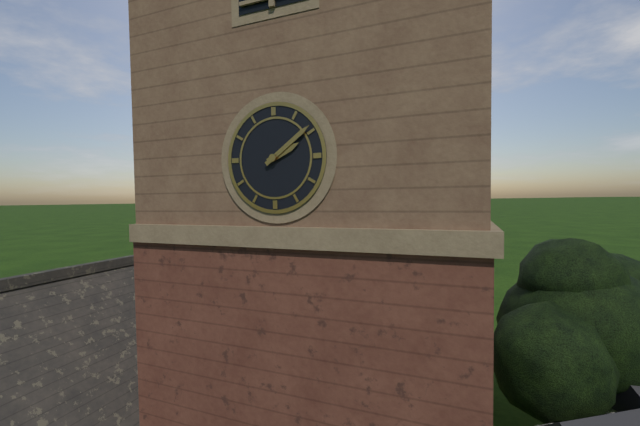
2 h 09 min
